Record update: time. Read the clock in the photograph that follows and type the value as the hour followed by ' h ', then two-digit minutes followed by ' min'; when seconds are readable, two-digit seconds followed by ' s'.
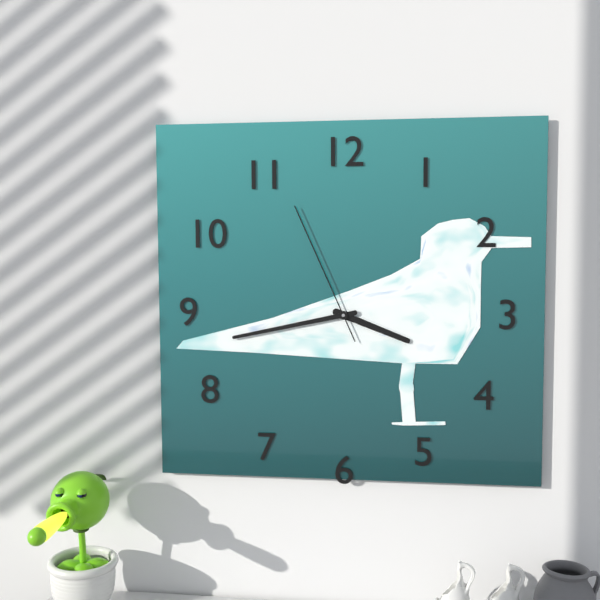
3 h 43 min 56 s
